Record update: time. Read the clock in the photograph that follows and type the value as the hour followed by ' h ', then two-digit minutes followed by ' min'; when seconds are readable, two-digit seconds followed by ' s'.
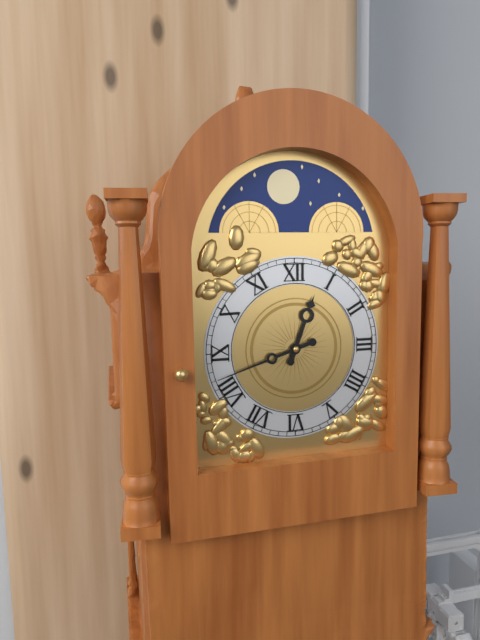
12 h 42 min
